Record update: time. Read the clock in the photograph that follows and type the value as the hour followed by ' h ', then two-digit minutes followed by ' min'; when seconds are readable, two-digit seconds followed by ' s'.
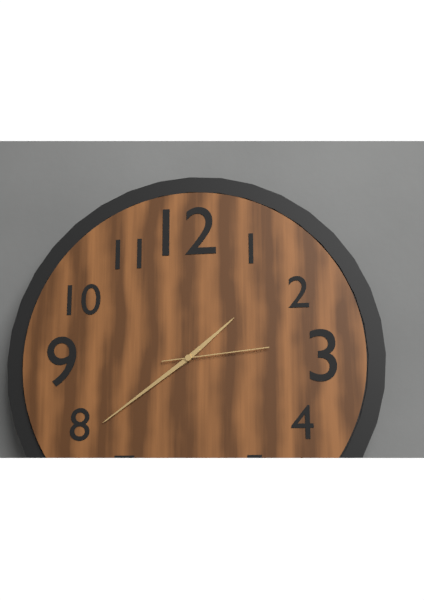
1 h 39 min 14 s
